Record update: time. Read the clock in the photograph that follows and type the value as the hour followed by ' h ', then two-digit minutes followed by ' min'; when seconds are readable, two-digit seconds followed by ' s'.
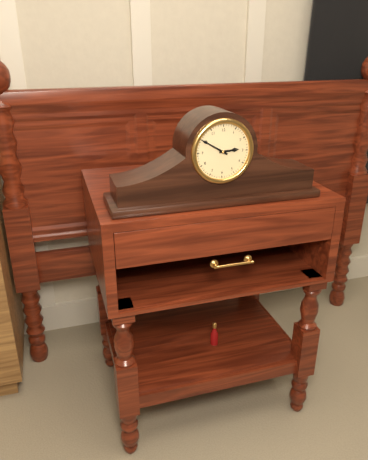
2 h 50 min
